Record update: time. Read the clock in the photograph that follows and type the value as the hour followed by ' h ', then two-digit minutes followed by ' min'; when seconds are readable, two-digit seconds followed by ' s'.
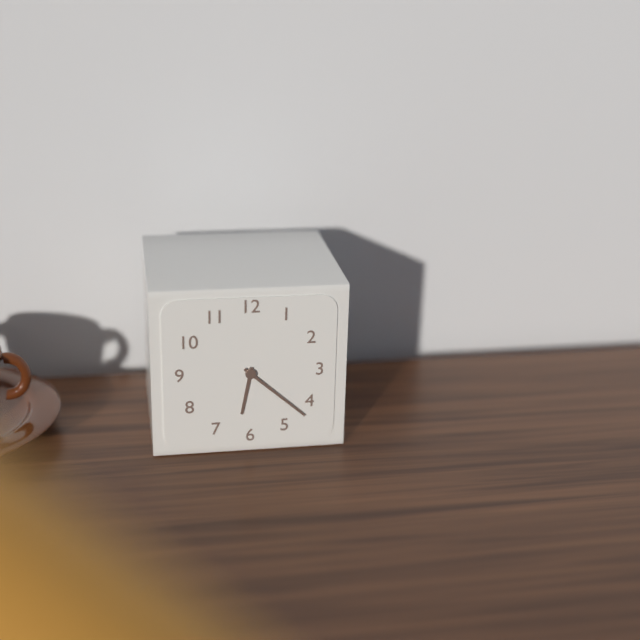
6 h 22 min
